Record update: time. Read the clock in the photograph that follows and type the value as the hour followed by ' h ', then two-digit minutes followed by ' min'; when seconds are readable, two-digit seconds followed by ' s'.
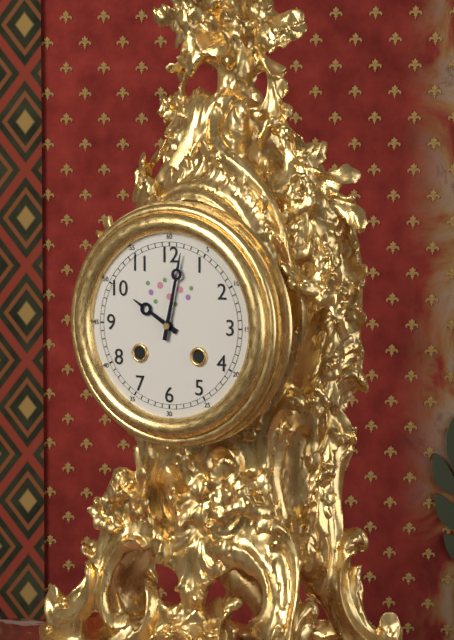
10 h 02 min
